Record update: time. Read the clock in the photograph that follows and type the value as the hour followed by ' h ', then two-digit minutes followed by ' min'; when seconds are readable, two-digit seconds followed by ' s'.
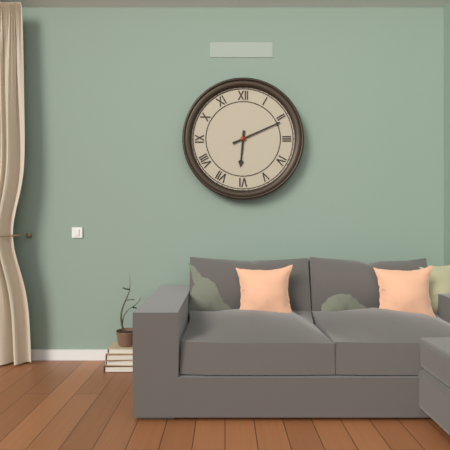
6 h 11 min
